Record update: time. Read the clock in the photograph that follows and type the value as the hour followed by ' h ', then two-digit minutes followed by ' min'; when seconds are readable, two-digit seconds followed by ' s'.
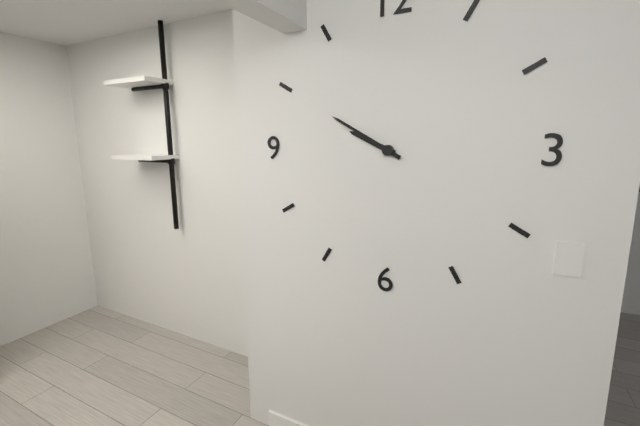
9 h 50 min
